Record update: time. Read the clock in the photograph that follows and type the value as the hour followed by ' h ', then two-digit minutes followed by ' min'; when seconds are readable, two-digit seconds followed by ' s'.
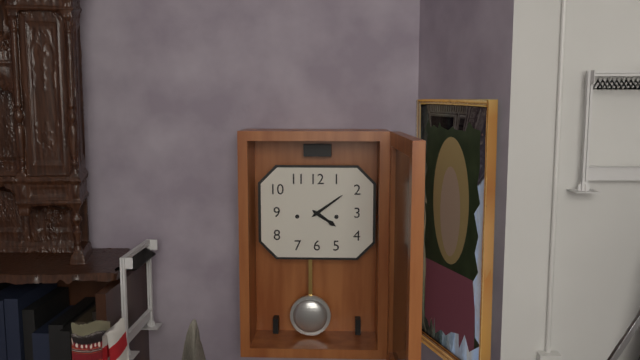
4 h 09 min
